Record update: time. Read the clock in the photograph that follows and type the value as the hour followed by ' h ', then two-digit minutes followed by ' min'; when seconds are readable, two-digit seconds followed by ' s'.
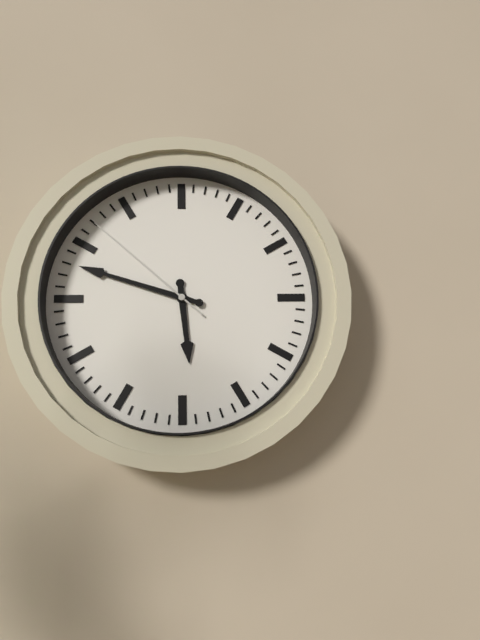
5 h 48 min 52 s
